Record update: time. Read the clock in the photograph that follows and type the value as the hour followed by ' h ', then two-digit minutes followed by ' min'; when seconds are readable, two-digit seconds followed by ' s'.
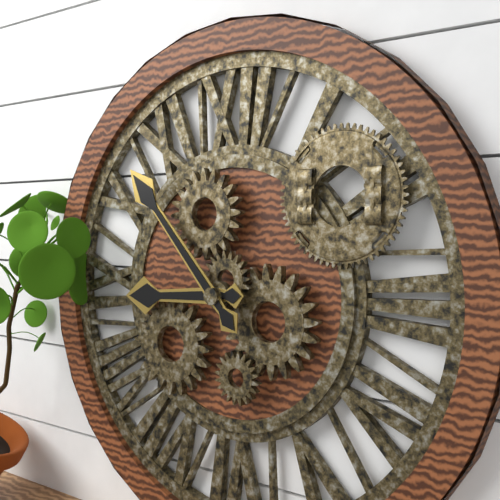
8 h 53 min
